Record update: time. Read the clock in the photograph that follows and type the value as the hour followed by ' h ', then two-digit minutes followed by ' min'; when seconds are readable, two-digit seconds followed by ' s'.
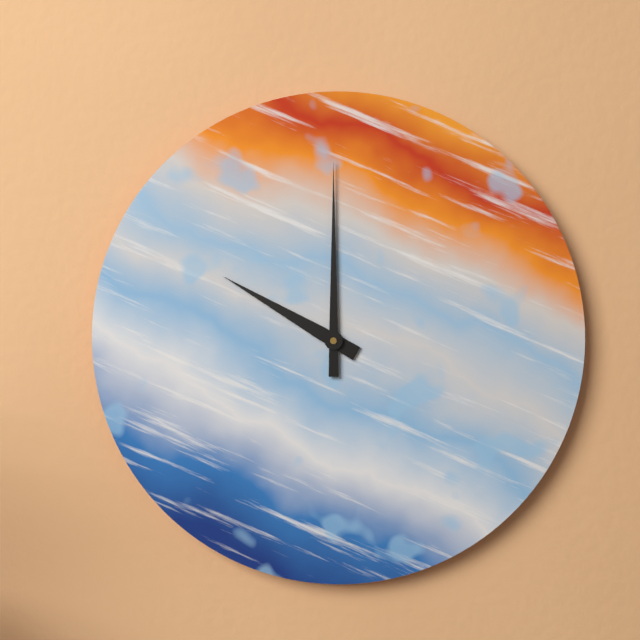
10 h 00 min
